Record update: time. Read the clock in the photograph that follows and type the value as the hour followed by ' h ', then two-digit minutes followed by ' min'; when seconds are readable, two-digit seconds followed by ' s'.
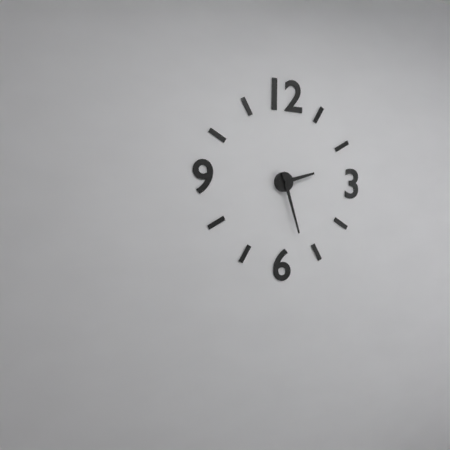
2 h 27 min
